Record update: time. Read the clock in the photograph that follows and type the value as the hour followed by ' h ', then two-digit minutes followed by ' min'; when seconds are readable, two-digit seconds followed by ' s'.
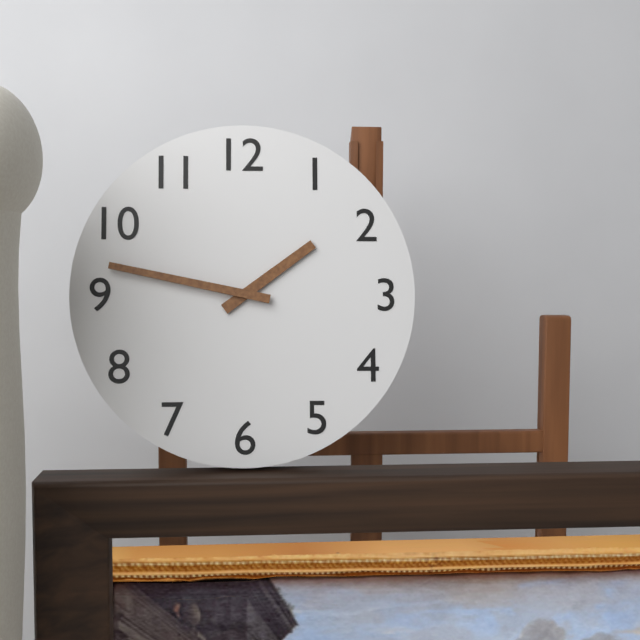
1 h 47 min
